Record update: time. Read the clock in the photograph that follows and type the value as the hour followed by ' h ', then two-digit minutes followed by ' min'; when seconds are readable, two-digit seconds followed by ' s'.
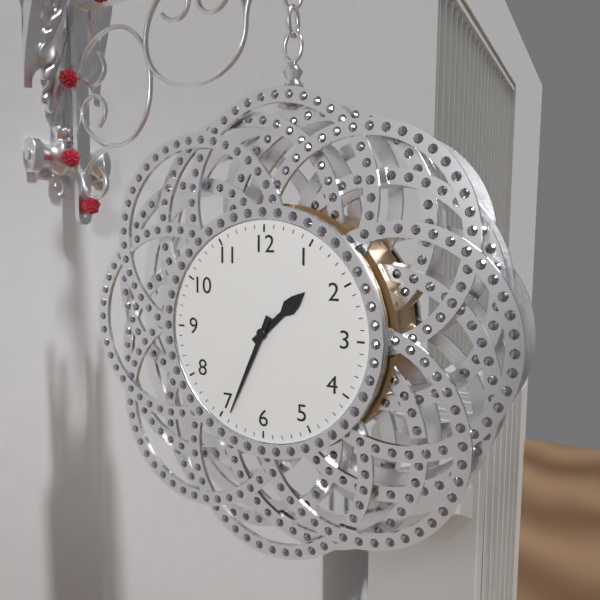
1 h 34 min
